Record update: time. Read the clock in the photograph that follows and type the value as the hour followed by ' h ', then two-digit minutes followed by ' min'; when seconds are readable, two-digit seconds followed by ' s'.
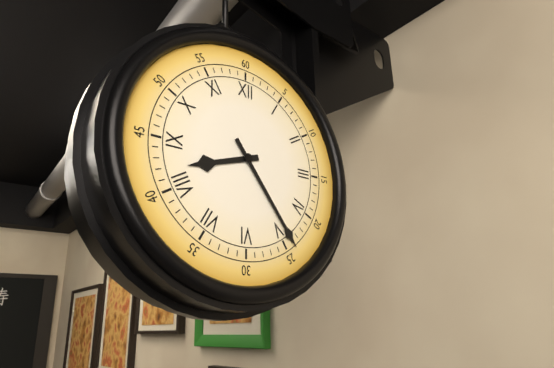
8 h 24 min
